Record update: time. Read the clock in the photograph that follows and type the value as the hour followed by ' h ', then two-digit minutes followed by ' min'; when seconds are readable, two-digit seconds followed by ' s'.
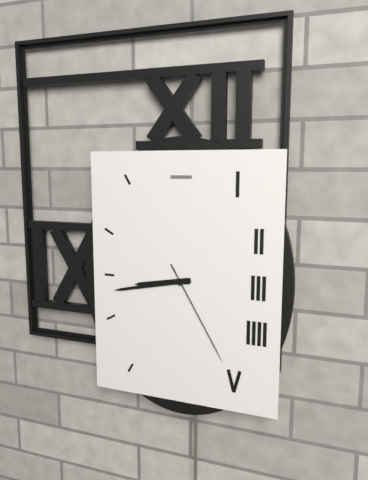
8 h 43 min 25 s
